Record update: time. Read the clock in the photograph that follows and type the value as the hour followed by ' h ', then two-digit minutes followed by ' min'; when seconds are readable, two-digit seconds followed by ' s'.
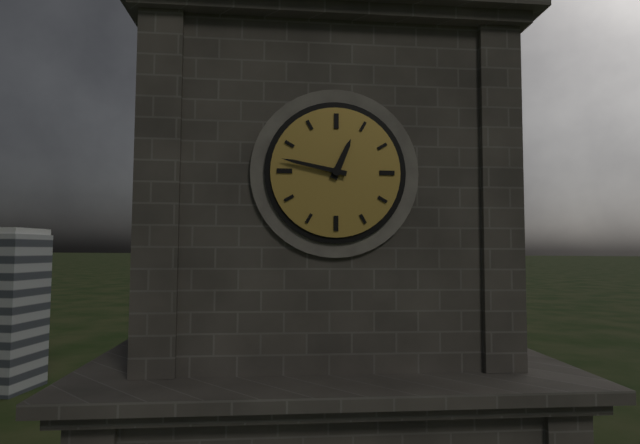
12 h 47 min
